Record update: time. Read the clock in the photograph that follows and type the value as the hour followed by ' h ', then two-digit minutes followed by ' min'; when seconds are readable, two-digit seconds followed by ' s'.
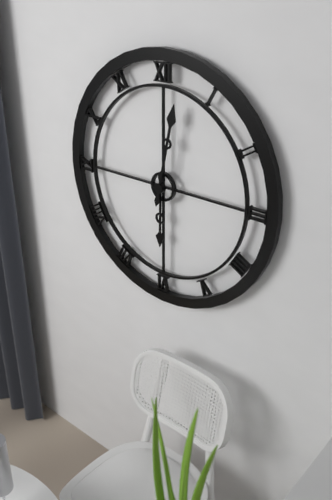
6 h 02 min
